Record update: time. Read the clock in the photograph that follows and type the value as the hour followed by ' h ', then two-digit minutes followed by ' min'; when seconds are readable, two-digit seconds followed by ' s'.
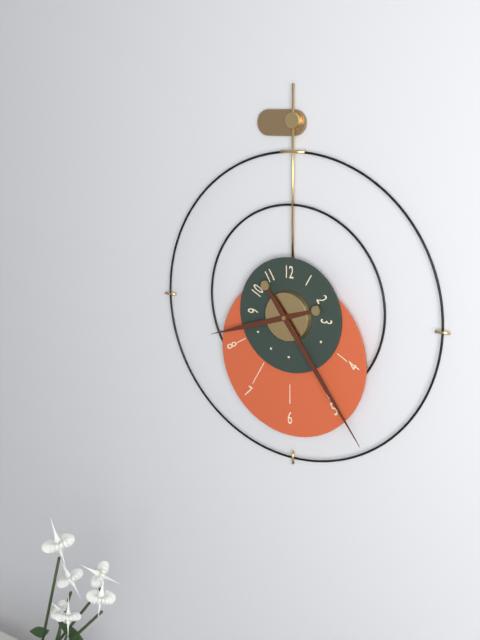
8 h 24 min
